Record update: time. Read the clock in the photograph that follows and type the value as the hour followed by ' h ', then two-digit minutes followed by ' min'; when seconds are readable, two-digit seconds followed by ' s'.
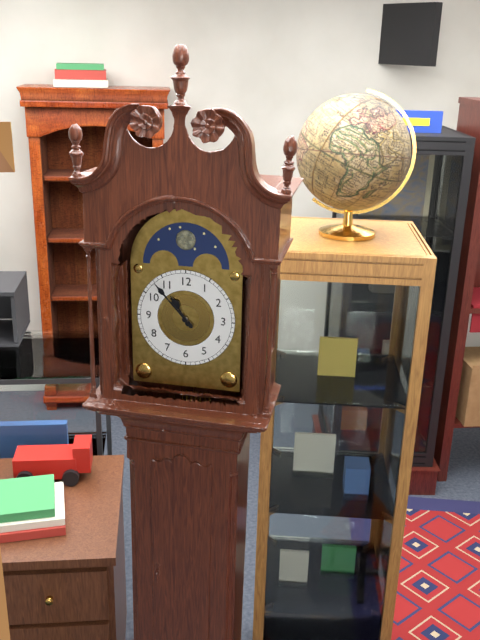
10 h 53 min
